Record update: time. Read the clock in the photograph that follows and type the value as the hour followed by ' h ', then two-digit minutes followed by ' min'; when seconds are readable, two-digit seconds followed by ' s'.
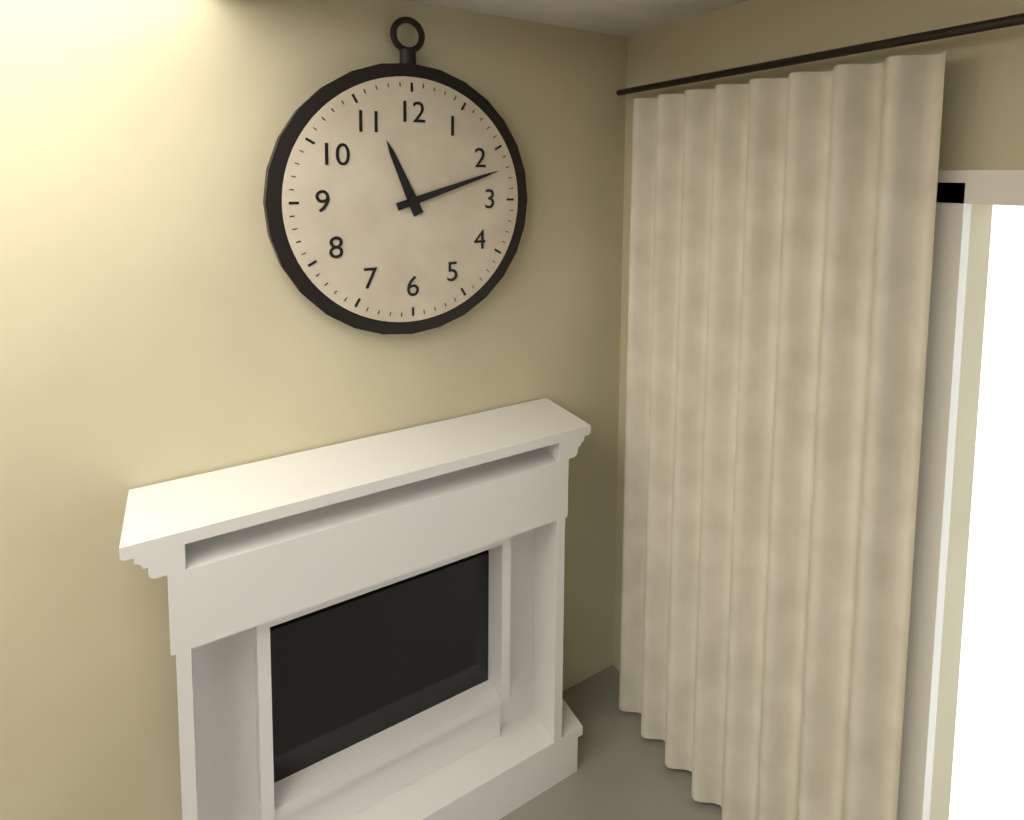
11 h 12 min
